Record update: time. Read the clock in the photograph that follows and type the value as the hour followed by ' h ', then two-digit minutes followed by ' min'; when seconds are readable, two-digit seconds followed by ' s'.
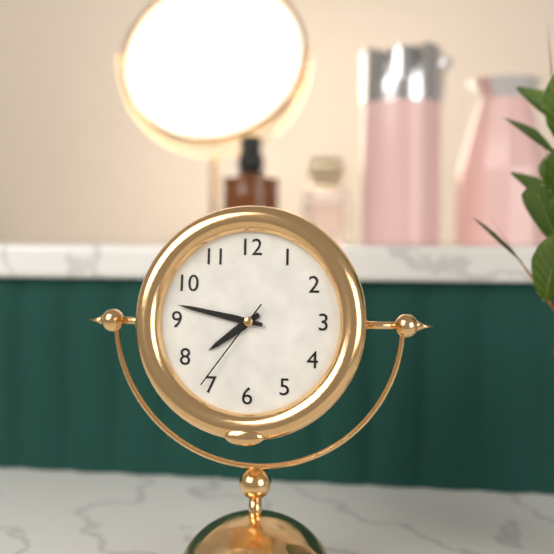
7 h 47 min 36 s
